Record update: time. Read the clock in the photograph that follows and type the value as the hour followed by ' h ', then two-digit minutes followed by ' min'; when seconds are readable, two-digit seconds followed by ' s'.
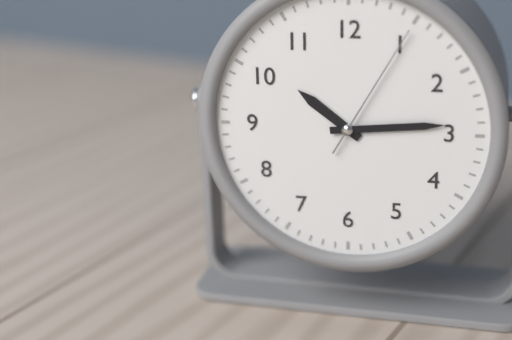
10 h 14 min 05 s
